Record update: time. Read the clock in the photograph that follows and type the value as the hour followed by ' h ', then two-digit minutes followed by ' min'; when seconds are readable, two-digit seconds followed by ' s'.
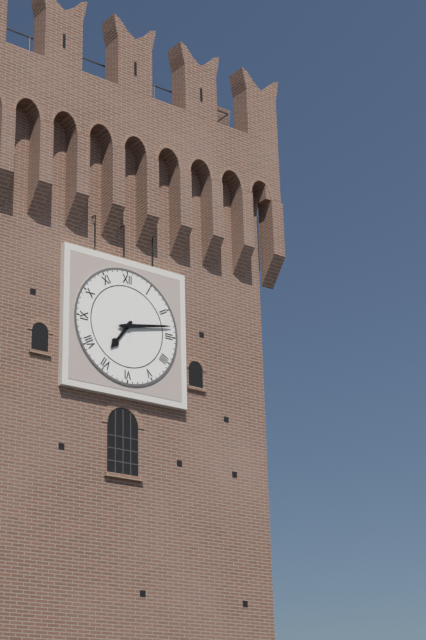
7 h 13 min
